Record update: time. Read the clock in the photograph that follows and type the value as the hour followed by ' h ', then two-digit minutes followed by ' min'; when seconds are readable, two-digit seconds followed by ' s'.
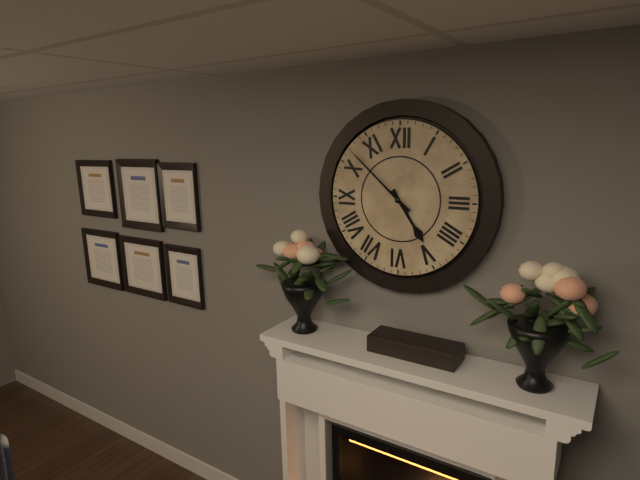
4 h 52 min
